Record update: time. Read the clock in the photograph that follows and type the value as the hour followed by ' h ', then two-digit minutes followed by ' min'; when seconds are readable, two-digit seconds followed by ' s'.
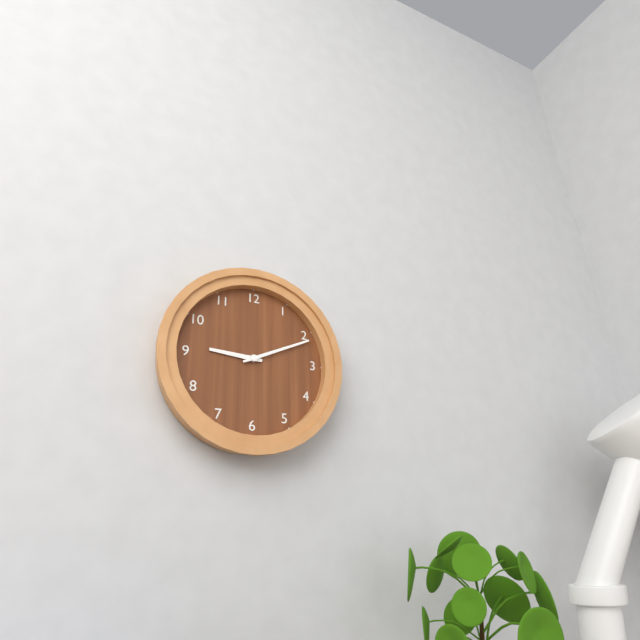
9 h 11 min
